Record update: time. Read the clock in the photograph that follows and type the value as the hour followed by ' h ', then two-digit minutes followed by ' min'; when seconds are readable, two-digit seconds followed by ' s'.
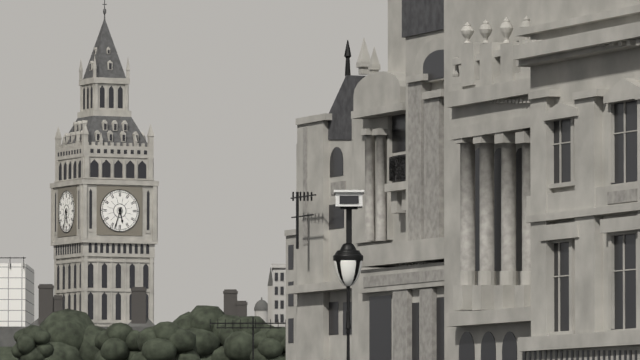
5 h 33 min
